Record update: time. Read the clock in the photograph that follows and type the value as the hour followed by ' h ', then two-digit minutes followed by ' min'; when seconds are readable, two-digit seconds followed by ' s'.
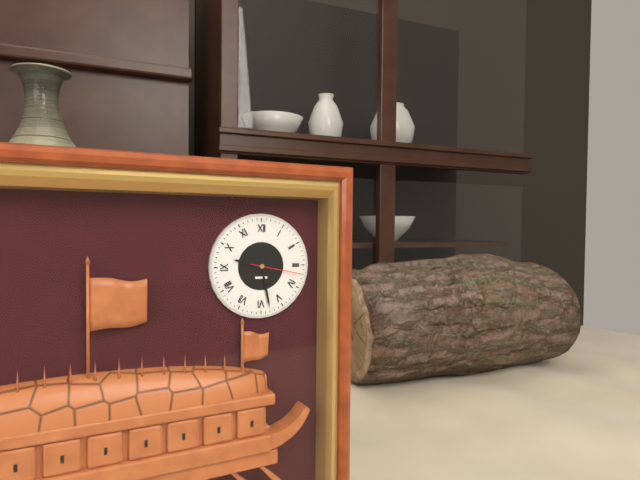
9 h 28 min 17 s
